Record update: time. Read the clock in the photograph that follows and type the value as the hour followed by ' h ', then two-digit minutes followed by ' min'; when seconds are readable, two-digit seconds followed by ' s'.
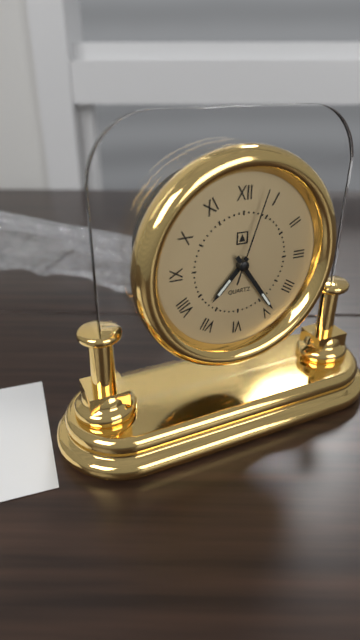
7 h 24 min 03 s
